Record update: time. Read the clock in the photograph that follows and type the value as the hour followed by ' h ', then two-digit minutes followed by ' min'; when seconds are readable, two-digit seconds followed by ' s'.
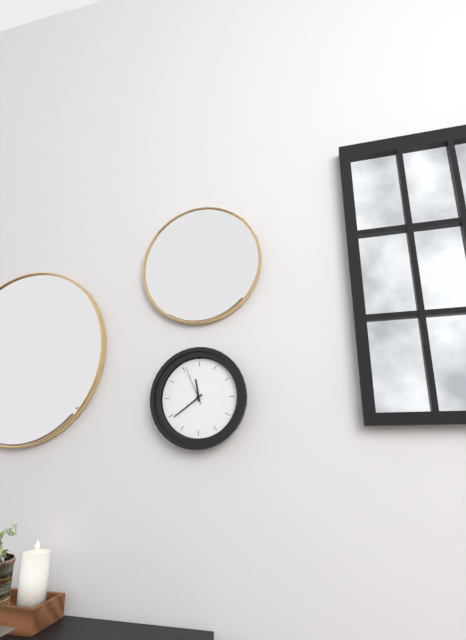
11 h 39 min
